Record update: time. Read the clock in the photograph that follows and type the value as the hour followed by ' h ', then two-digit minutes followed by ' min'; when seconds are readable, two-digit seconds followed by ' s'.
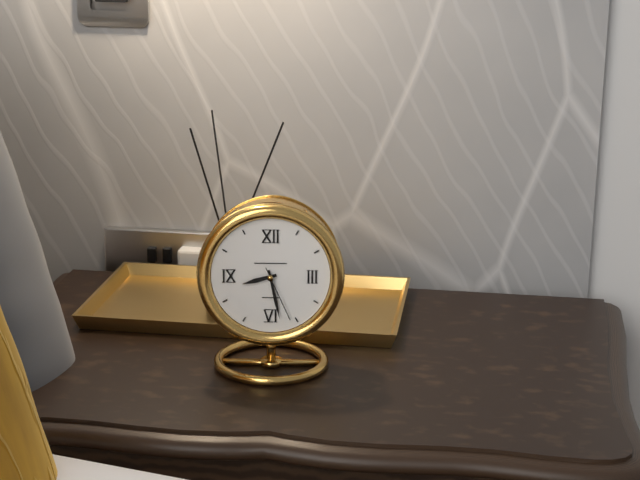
8 h 28 min 26 s
